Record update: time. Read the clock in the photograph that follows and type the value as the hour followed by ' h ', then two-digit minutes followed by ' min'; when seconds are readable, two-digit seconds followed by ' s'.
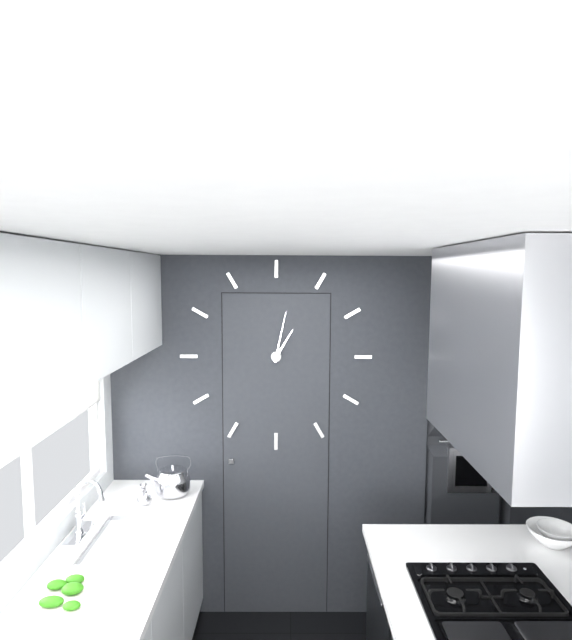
1 h 02 min
